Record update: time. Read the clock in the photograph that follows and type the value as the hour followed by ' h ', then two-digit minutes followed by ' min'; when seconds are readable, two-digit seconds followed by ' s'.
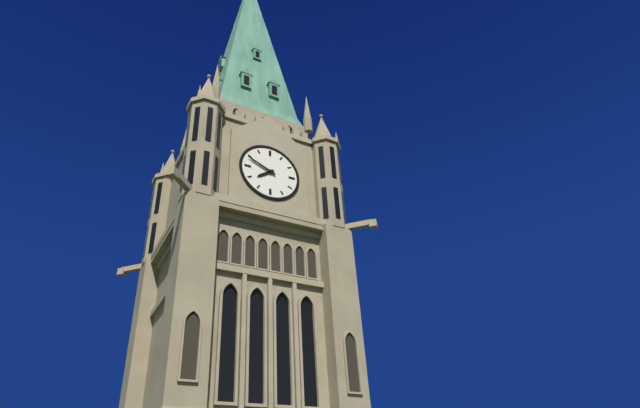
7 h 49 min
